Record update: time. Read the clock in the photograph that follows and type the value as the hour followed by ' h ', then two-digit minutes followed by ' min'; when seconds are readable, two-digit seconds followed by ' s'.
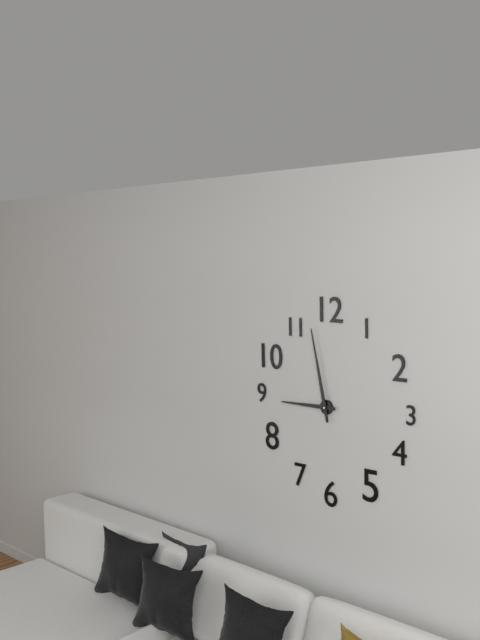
8 h 58 min
